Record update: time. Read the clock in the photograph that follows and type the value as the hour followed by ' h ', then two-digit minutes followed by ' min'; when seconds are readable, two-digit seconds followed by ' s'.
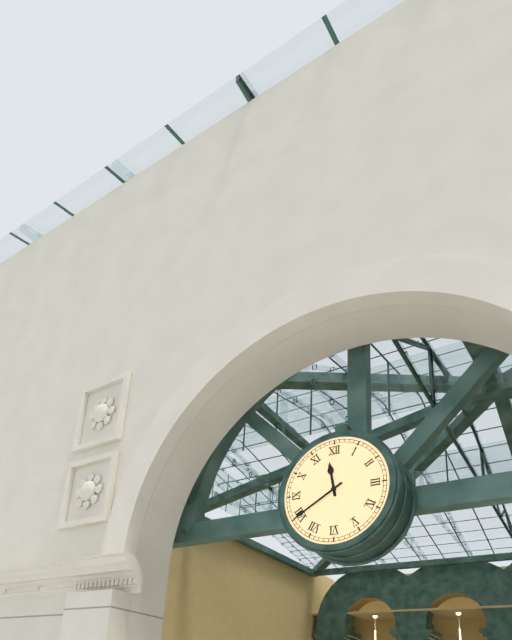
11 h 40 min
